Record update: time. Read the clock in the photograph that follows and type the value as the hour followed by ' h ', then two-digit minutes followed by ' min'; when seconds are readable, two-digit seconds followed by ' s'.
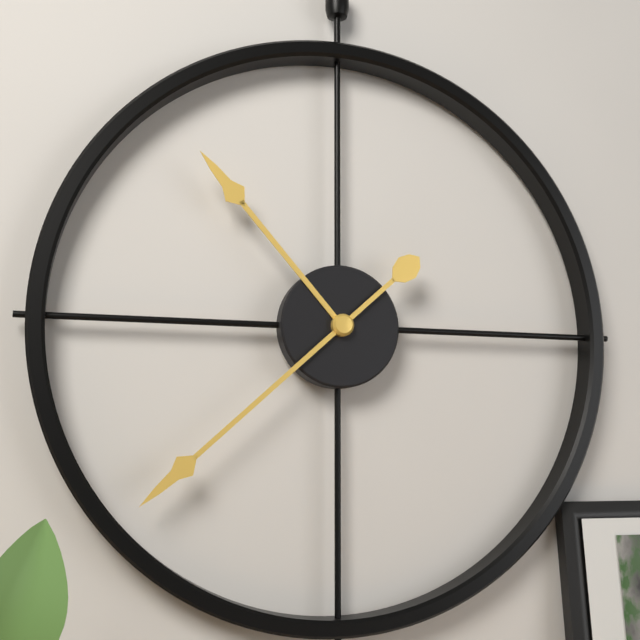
10 h 38 min
